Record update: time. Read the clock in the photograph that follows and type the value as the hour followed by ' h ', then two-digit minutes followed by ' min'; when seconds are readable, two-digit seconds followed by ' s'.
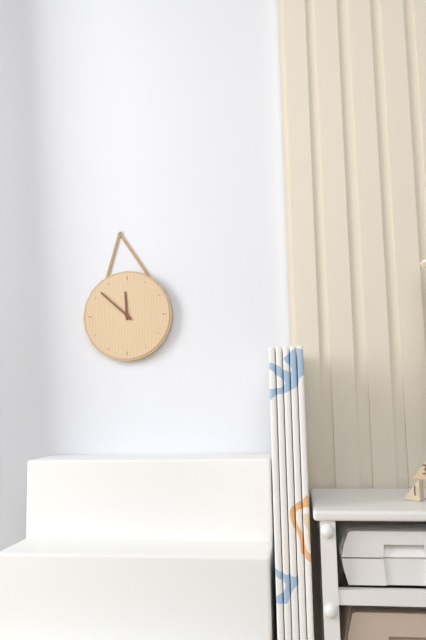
11 h 52 min
